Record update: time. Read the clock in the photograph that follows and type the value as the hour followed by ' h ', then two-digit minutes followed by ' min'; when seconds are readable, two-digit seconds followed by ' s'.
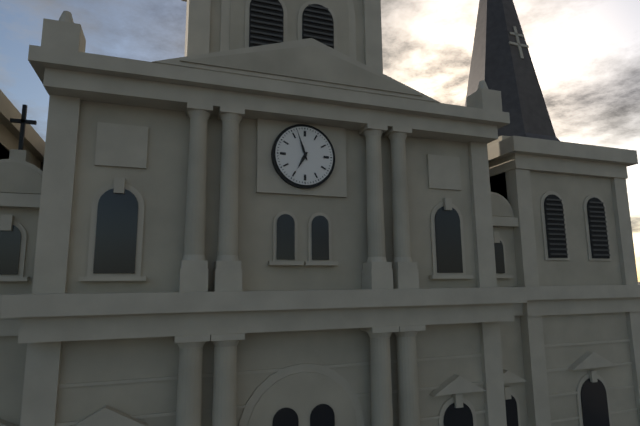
6 h 57 min
